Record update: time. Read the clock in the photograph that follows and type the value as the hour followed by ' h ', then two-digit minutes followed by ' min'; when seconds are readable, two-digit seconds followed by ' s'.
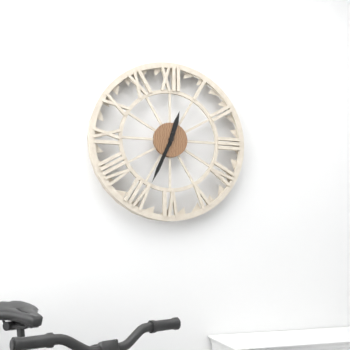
12 h 34 min
